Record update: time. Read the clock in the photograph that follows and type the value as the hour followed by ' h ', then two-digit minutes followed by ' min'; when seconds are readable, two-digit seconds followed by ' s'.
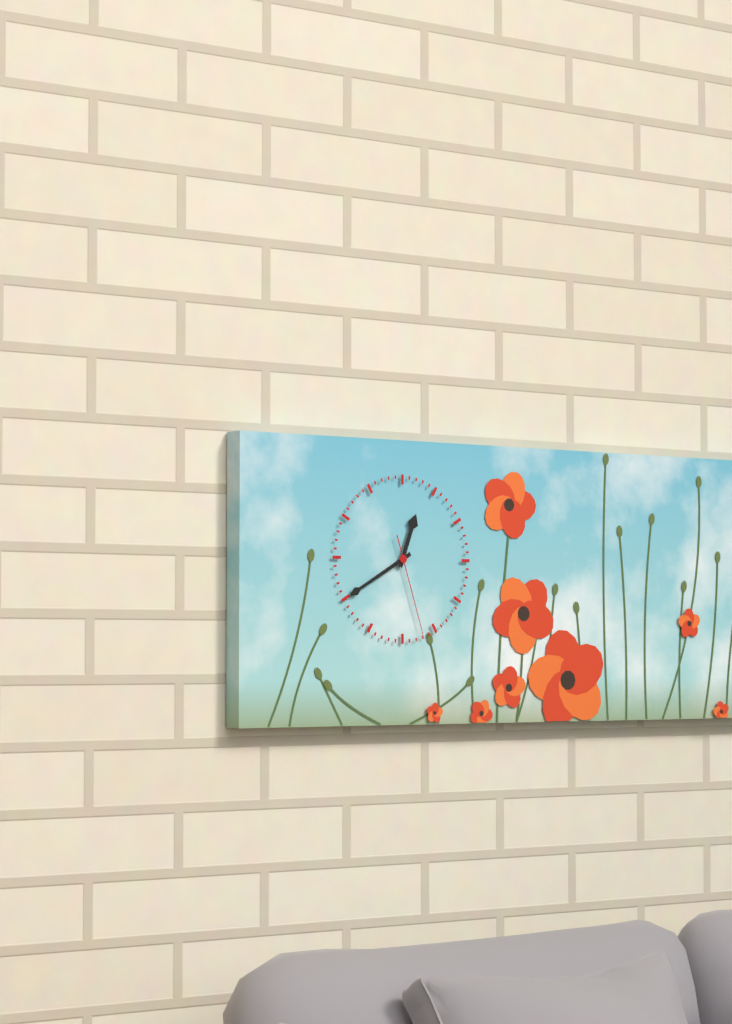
12 h 40 min 27 s
